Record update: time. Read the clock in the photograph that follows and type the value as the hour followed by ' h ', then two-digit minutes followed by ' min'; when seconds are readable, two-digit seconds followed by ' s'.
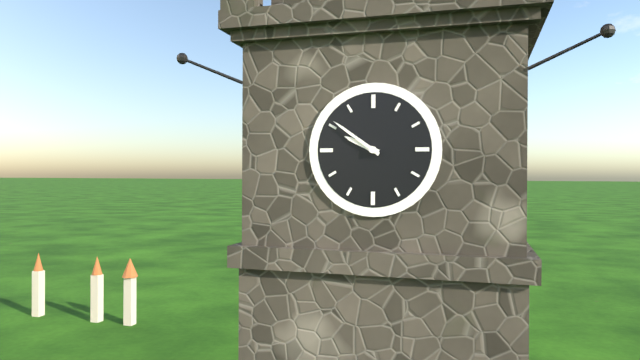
9 h 51 min
